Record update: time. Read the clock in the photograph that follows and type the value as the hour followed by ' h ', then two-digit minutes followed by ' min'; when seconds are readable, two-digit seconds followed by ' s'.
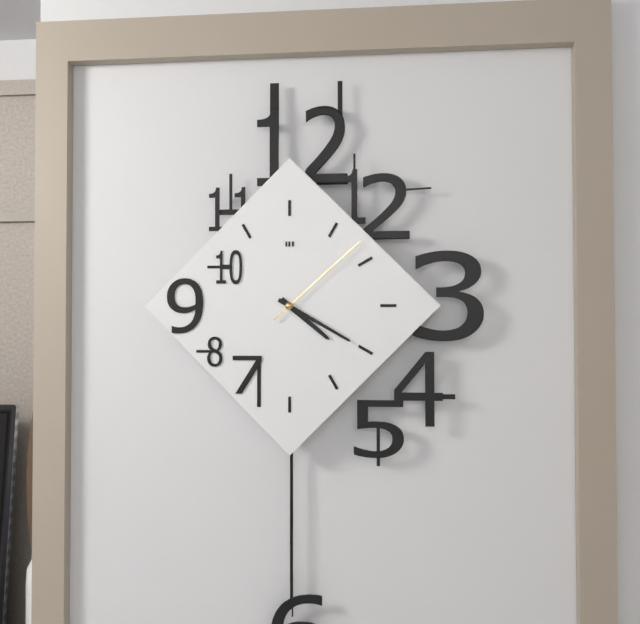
4 h 20 min 08 s
